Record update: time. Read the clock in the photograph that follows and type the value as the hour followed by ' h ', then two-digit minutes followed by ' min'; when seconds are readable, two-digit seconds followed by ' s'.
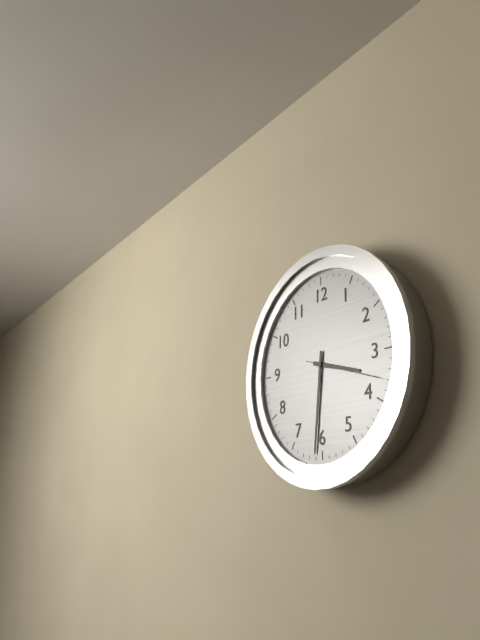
3 h 31 min 18 s
